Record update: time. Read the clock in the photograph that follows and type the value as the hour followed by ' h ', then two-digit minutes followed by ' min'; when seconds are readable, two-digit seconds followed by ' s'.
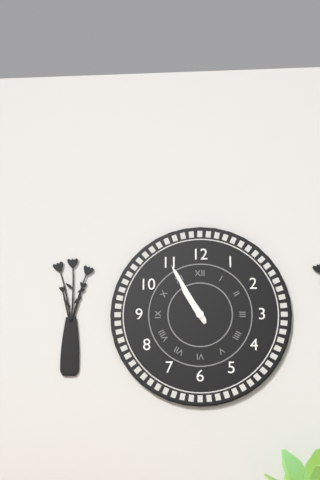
10 h 55 min
